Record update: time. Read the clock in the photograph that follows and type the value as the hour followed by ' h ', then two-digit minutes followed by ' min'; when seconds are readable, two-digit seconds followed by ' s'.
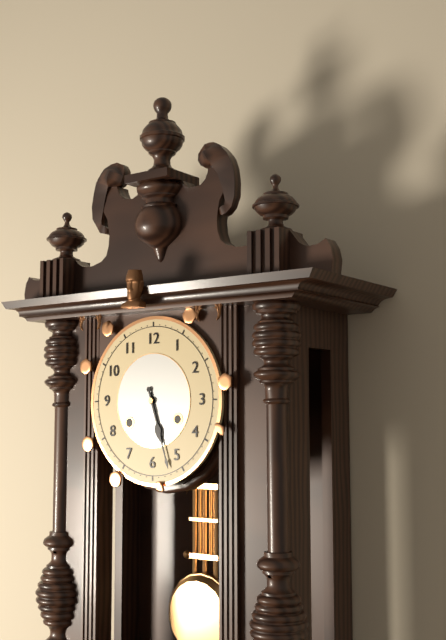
5 h 27 min
